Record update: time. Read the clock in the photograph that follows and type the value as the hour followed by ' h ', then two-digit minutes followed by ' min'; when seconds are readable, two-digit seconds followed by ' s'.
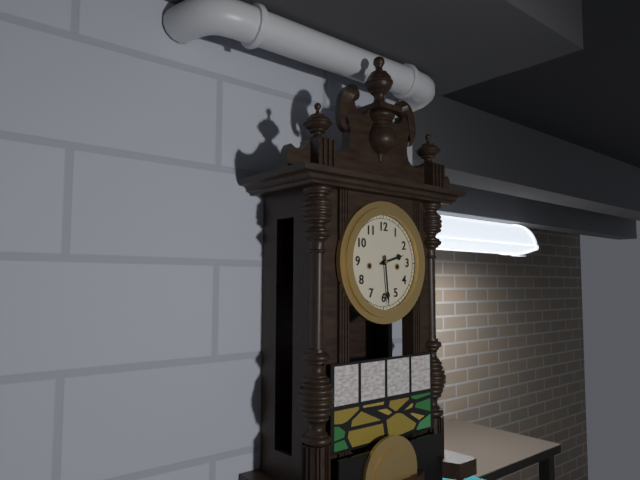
2 h 29 min
